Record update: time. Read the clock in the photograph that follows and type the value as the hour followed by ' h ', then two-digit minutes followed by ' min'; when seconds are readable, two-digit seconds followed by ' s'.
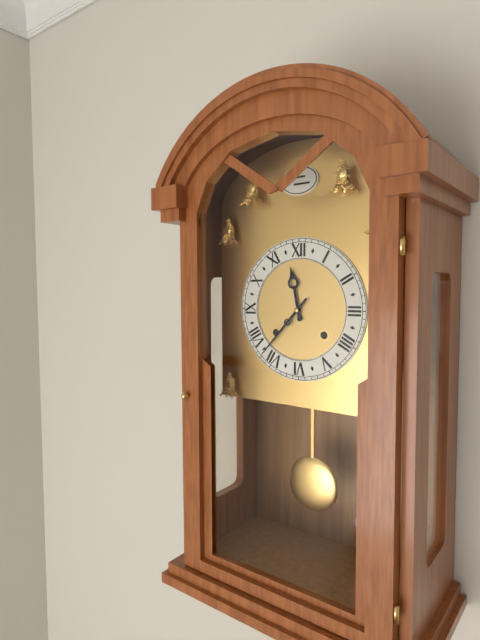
11 h 37 min
